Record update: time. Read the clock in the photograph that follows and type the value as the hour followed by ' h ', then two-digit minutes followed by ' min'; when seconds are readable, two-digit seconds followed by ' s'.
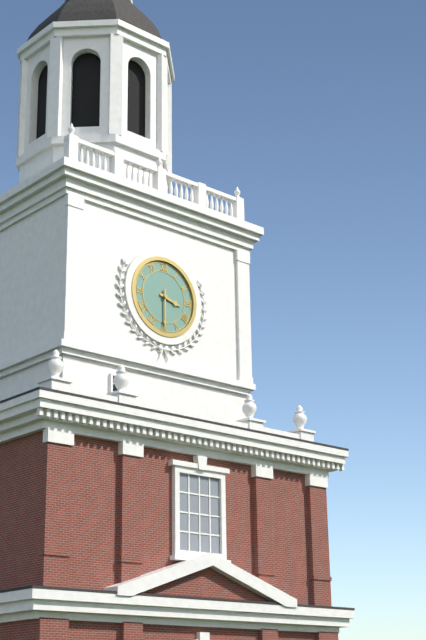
3 h 30 min
